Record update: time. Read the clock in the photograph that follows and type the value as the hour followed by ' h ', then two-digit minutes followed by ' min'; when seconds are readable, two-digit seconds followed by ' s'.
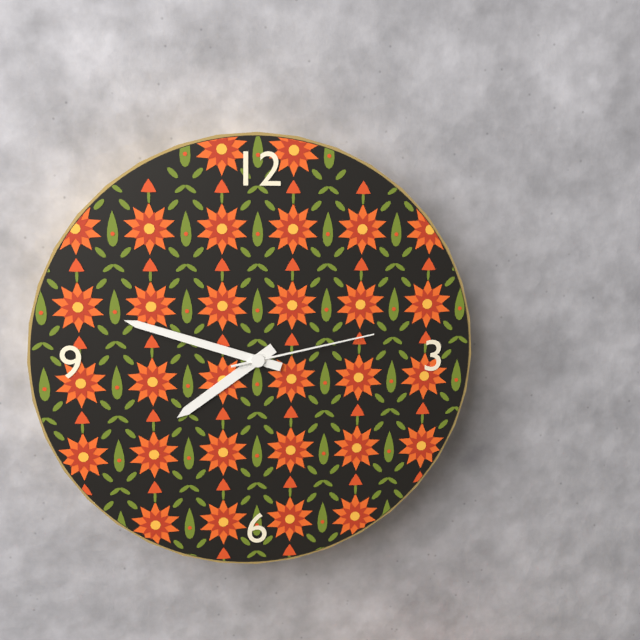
7 h 48 min 13 s
